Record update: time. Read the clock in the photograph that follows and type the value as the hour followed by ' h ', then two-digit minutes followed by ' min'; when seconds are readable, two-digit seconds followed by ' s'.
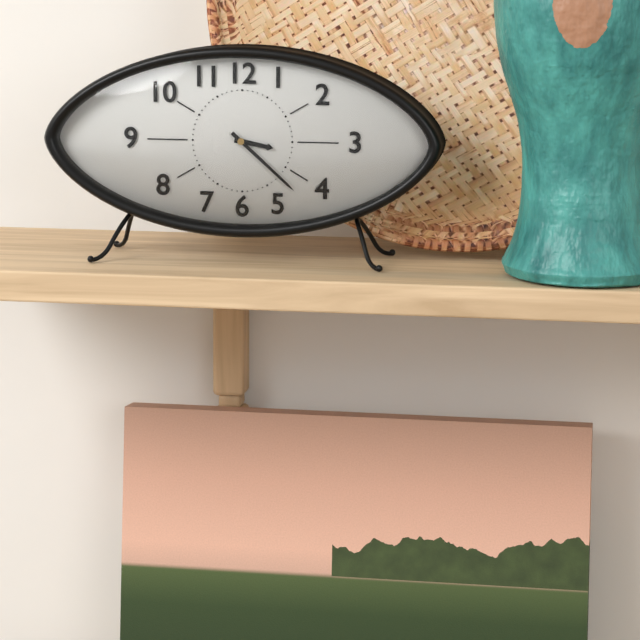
3 h 22 min
